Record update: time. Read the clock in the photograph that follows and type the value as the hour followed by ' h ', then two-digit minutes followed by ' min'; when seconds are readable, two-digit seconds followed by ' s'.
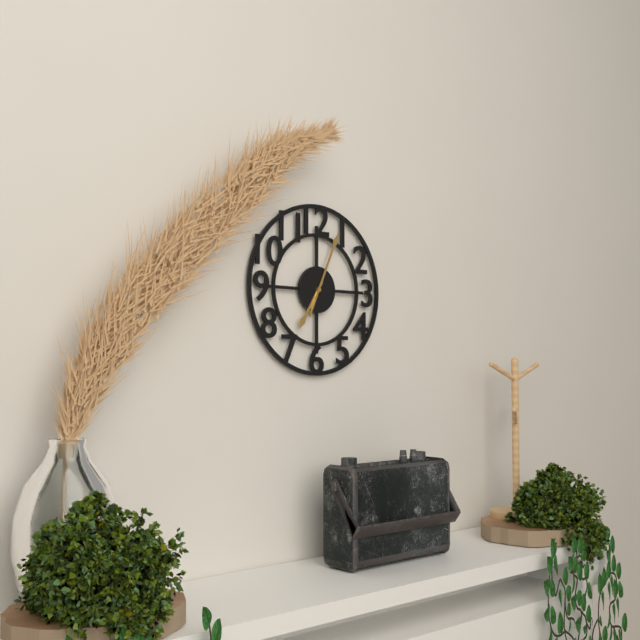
7 h 04 min
